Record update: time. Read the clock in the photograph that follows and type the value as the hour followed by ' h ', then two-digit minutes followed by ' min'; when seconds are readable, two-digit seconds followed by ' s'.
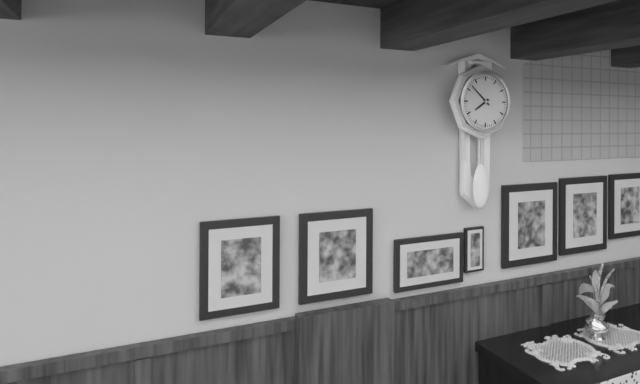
7 h 52 min
